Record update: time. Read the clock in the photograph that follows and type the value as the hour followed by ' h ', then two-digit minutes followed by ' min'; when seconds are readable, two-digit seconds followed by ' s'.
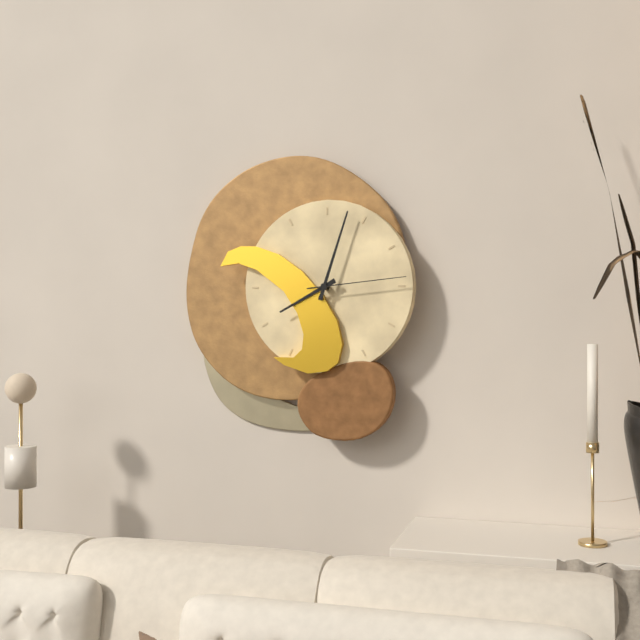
8 h 03 min 14 s
